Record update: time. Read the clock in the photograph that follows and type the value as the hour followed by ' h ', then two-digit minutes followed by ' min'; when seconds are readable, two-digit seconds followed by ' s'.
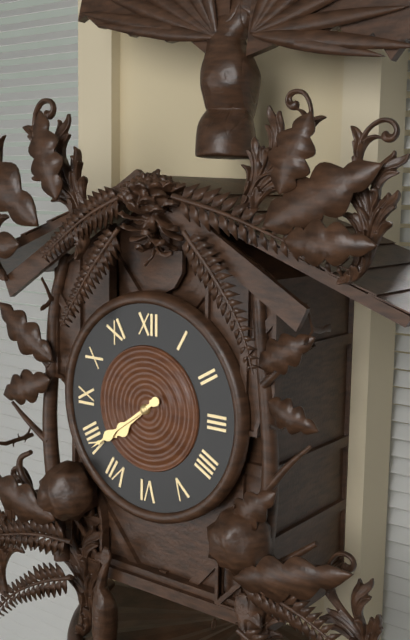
7 h 39 min
